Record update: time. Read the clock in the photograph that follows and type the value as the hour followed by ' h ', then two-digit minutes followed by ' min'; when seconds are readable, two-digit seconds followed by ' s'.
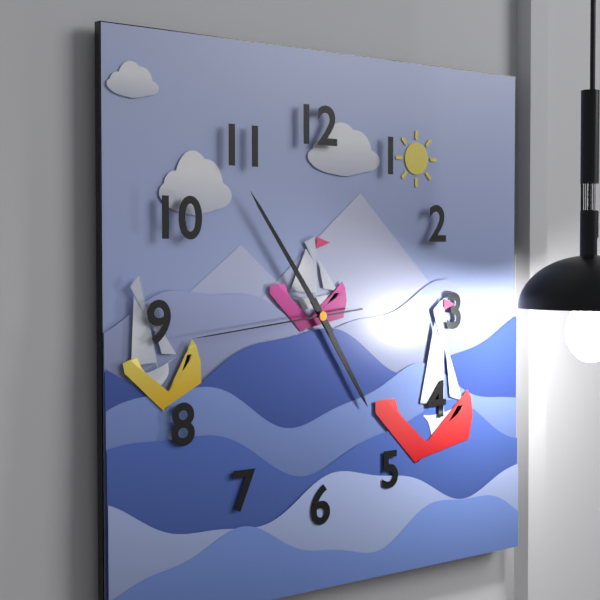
4 h 54 min 44 s
